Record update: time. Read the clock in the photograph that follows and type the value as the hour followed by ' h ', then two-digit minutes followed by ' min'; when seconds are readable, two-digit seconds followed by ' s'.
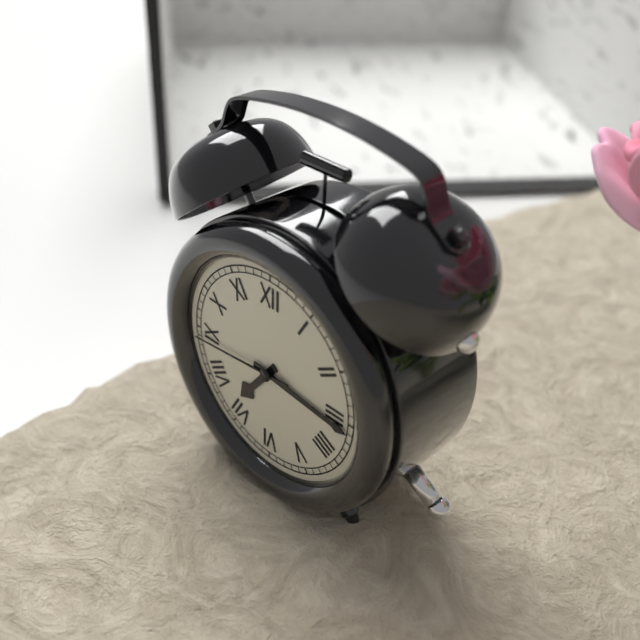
7 h 16 min 44 s
